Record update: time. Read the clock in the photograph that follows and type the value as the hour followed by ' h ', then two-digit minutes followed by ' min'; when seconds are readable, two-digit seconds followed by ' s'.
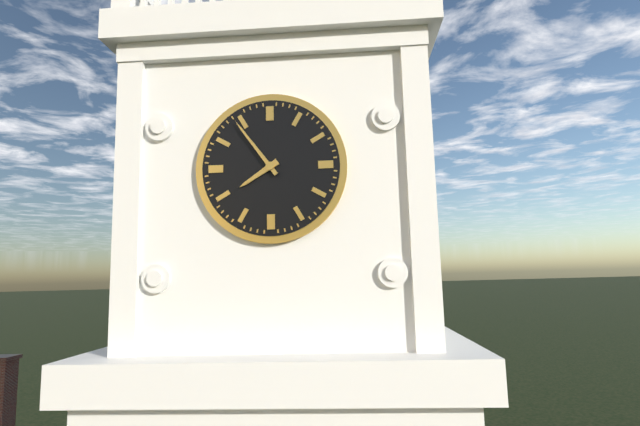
7 h 54 min
